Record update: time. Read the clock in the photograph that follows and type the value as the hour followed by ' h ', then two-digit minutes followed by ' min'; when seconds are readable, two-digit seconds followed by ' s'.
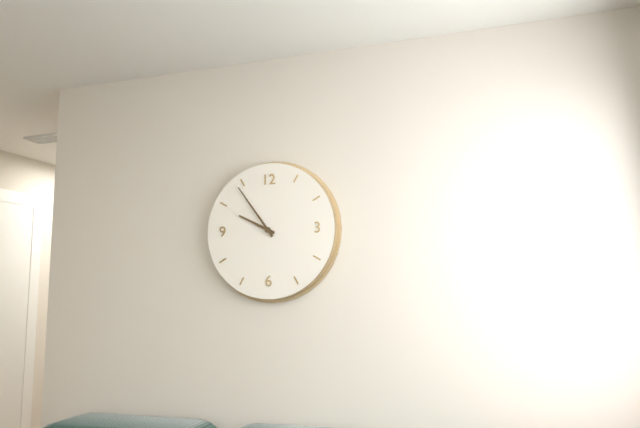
9 h 54 min
